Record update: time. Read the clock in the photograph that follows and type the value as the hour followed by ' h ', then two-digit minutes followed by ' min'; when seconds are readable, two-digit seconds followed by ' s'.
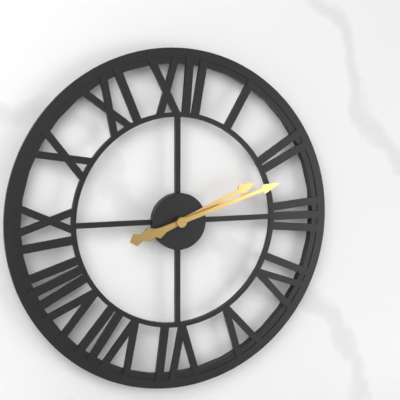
2 h 12 min
